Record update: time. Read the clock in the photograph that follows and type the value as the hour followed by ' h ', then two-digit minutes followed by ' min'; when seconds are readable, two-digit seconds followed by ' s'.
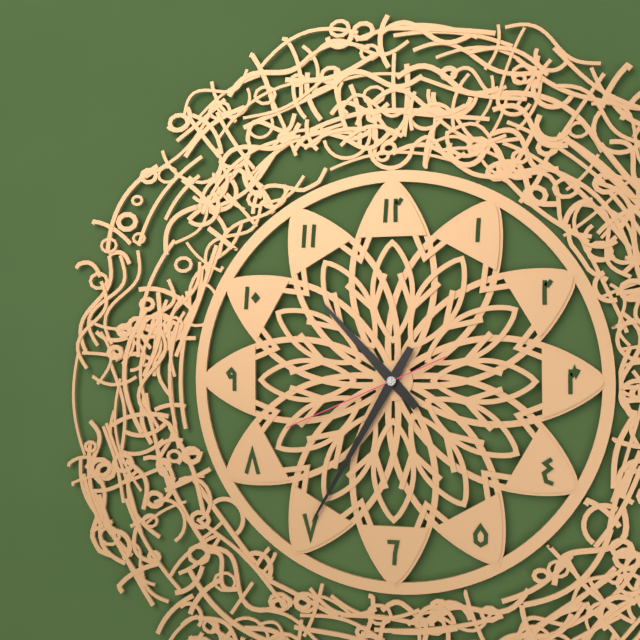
10 h 35 min 41 s
